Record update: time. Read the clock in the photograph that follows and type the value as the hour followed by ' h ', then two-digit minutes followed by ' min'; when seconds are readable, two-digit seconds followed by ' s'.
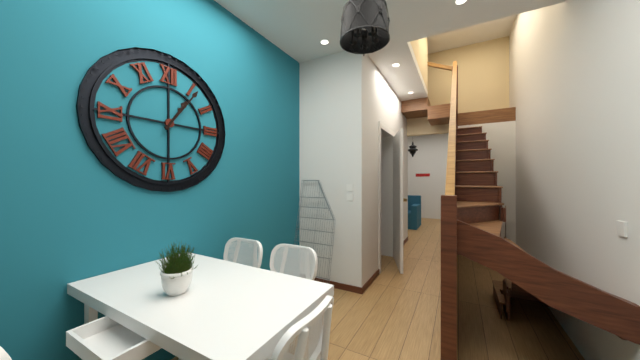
1 h 06 min
